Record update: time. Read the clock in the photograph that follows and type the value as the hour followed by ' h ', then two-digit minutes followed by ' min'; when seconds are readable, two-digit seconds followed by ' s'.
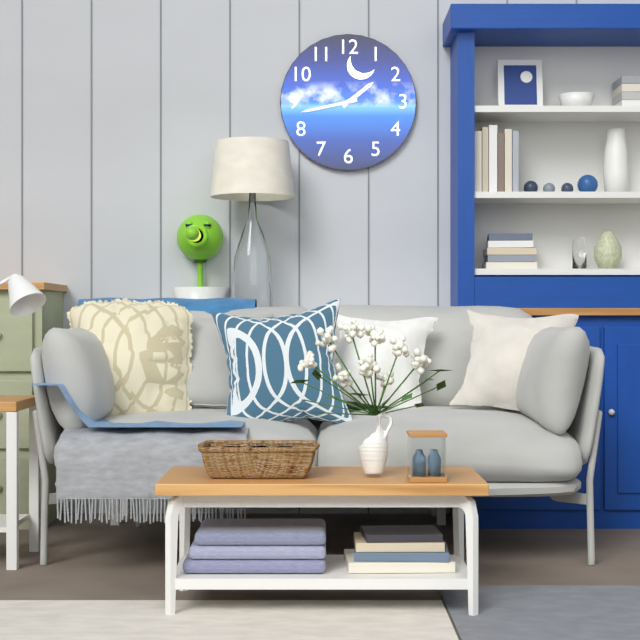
1 h 43 min
